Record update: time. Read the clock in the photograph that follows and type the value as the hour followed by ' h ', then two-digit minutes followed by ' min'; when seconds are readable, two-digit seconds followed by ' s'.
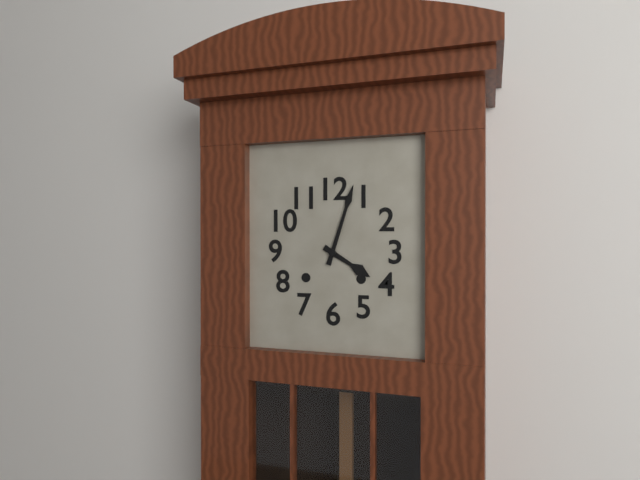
4 h 03 min
